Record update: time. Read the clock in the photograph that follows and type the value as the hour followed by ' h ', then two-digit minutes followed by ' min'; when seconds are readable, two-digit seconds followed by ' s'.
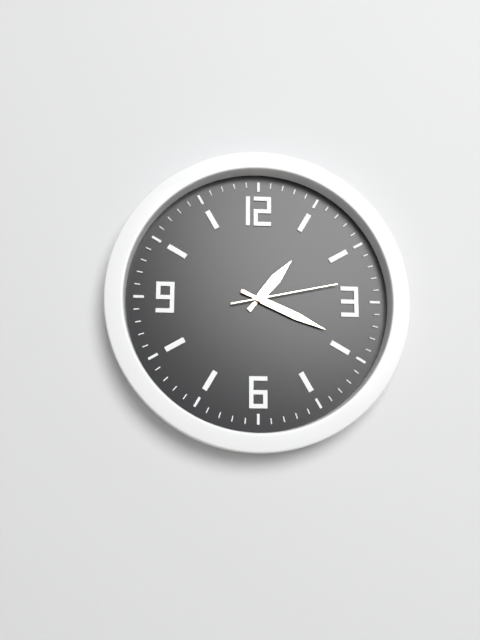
1 h 19 min 13 s
